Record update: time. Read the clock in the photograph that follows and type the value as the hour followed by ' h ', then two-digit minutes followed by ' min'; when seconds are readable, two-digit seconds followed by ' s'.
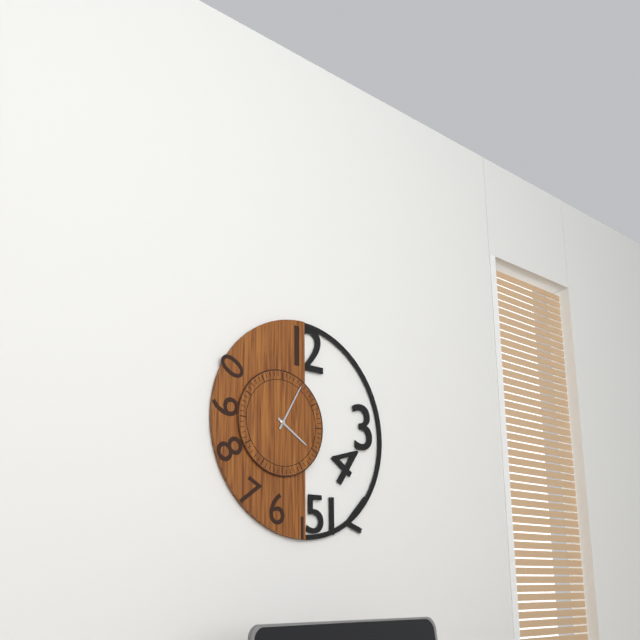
4 h 05 min
